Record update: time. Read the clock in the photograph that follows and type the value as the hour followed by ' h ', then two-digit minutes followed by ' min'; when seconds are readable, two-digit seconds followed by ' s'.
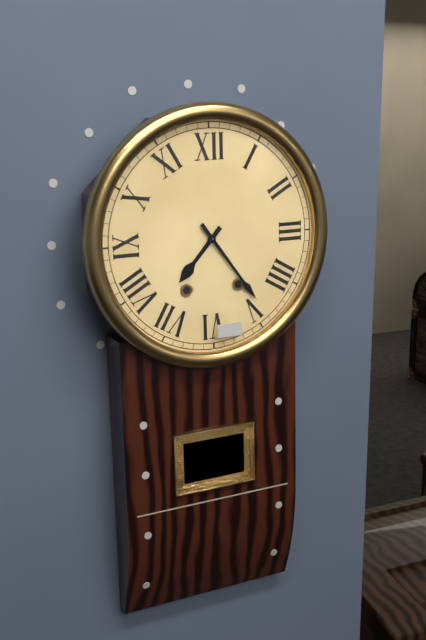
7 h 24 min
